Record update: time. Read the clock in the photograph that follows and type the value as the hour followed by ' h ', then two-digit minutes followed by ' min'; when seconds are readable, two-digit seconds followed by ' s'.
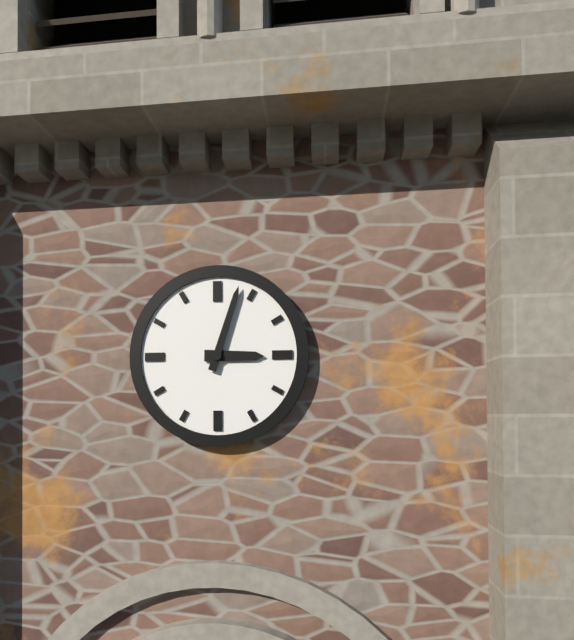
3 h 03 min
